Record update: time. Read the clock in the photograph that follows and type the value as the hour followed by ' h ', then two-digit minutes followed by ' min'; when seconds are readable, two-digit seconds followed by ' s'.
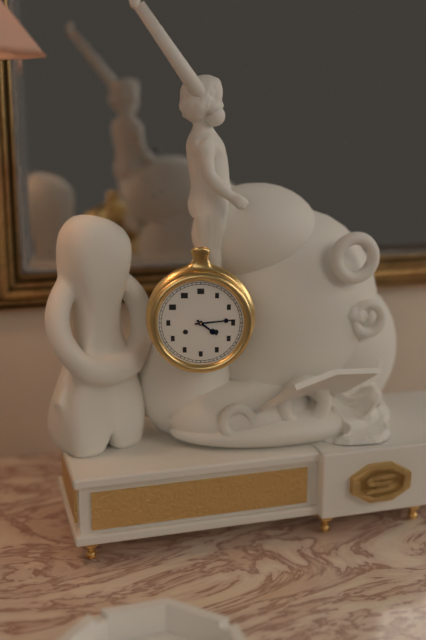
4 h 14 min
